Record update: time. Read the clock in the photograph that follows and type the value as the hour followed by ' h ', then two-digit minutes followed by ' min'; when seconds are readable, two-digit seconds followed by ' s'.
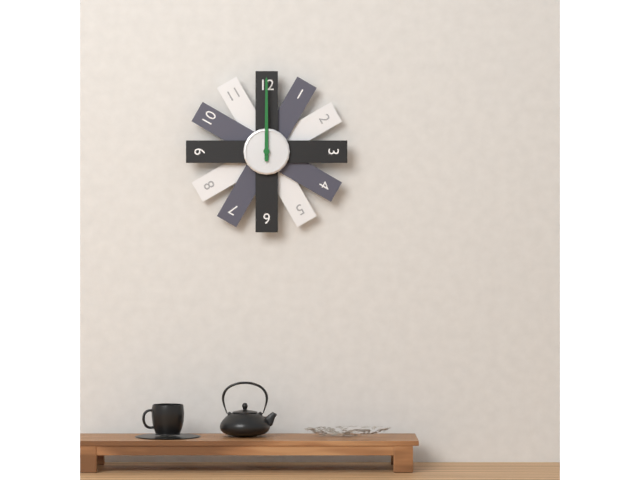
12 h 00 min
